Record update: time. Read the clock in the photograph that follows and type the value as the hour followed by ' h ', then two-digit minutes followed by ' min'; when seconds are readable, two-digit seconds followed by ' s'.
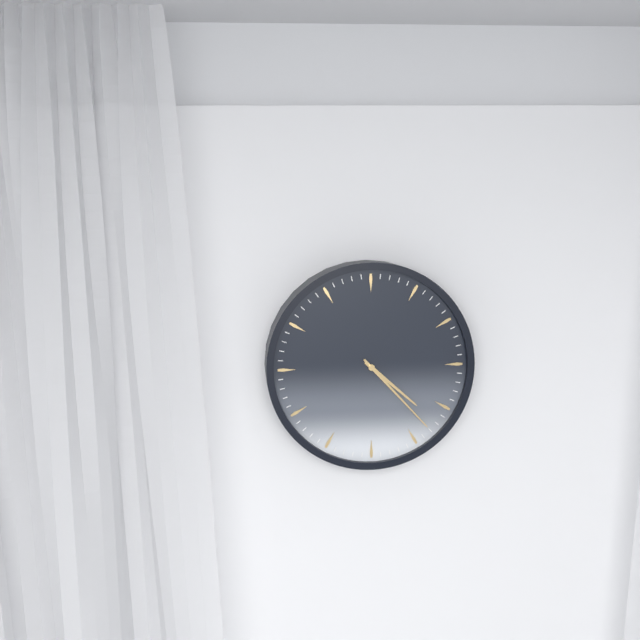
4 h 23 min
